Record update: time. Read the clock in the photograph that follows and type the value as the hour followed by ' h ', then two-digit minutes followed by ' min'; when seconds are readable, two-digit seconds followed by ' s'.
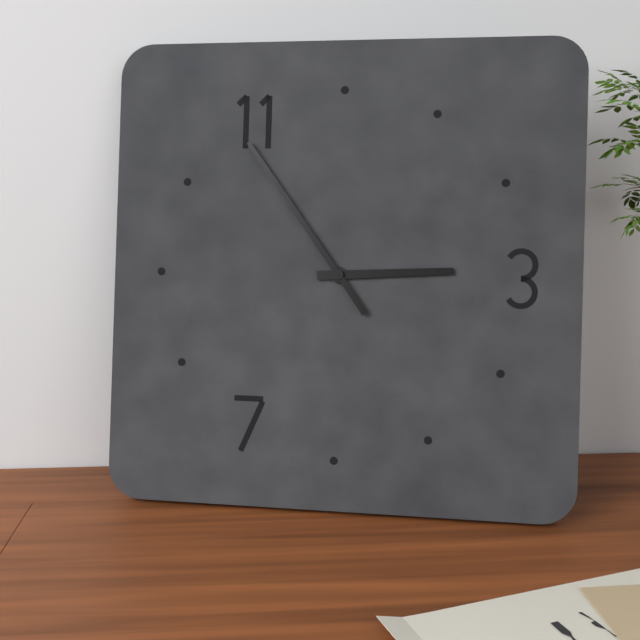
2 h 54 min
